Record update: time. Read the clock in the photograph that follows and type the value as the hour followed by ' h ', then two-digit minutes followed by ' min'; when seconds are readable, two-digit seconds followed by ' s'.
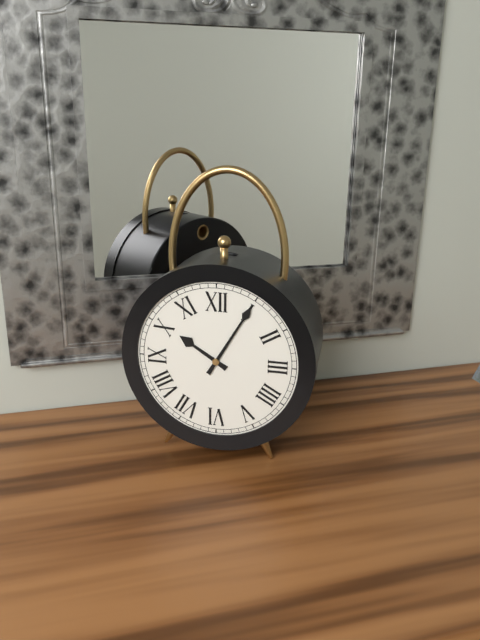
10 h 05 min
